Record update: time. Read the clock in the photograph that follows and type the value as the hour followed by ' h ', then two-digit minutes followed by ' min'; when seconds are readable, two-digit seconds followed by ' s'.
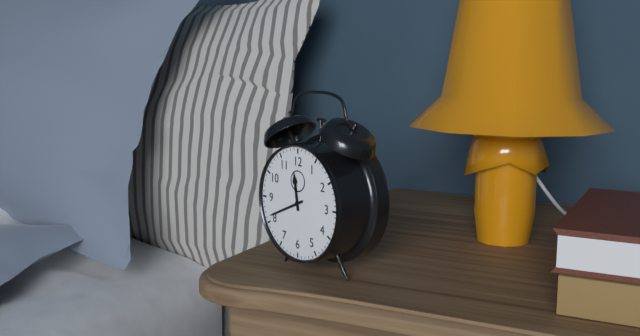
11 h 41 min
